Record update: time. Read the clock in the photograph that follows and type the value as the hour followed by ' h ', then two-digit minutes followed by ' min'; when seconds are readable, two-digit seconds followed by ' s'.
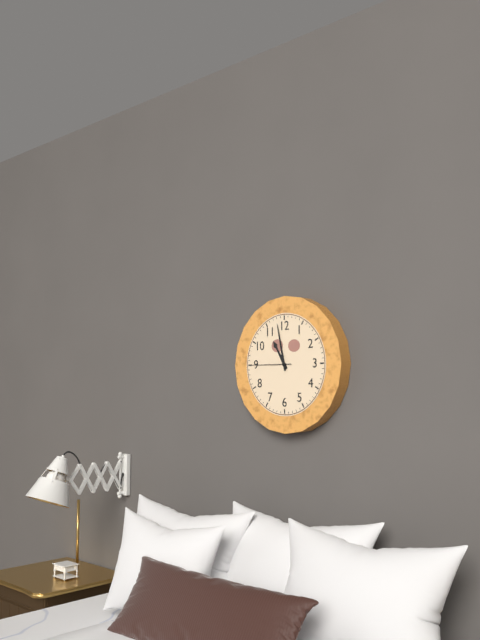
10 h 58 min
